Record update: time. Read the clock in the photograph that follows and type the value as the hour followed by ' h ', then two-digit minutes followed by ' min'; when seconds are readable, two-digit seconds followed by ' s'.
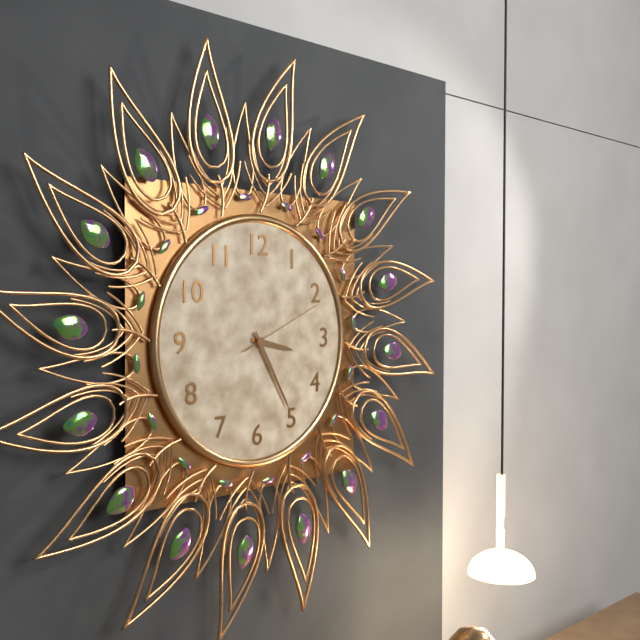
3 h 25 min 11 s
